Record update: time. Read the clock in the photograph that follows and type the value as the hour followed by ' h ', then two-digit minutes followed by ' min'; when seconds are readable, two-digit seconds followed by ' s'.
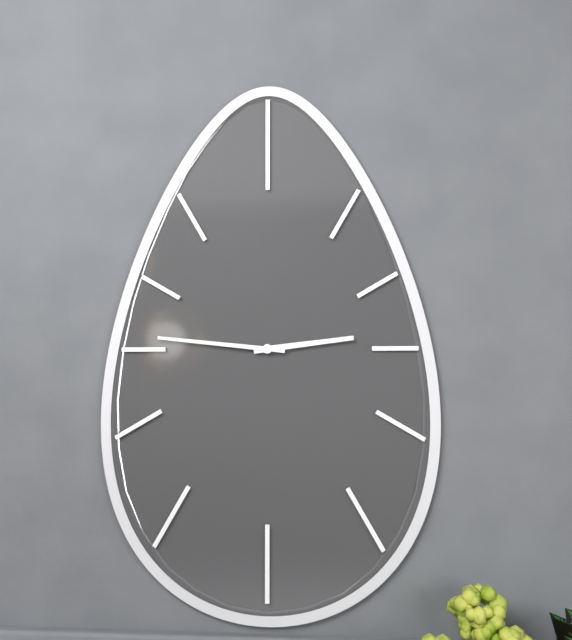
2 h 46 min
